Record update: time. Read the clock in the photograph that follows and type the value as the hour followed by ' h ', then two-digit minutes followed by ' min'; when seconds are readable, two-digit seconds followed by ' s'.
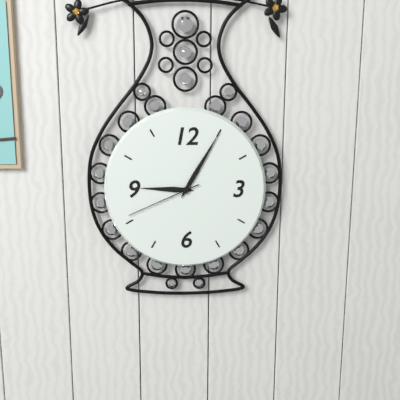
9 h 05 min 41 s
